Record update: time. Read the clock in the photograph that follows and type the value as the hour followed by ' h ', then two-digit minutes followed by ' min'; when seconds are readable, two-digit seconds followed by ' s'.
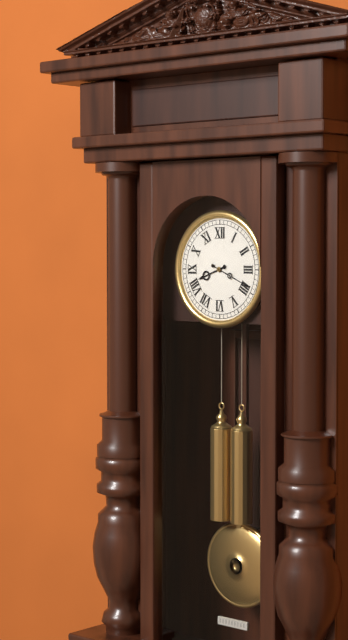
8 h 19 min
